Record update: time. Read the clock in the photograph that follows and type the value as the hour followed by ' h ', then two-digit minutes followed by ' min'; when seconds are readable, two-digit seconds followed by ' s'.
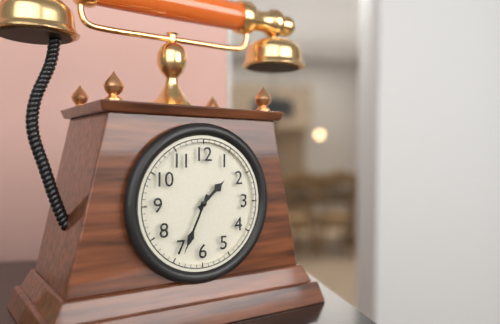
1 h 34 min
